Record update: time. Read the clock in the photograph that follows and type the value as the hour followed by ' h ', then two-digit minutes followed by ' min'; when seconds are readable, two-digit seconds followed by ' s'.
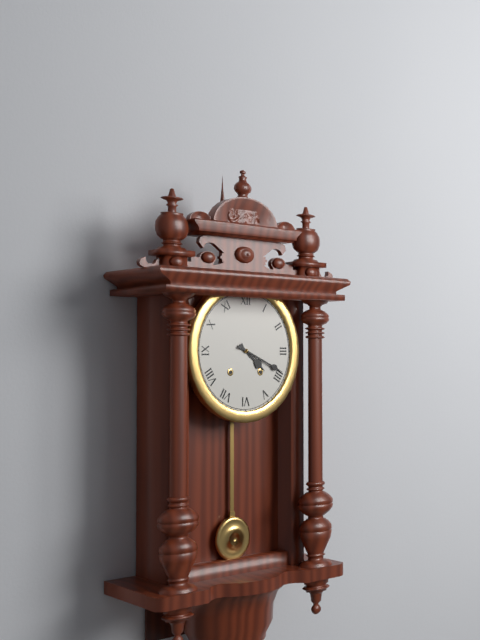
4 h 19 min
